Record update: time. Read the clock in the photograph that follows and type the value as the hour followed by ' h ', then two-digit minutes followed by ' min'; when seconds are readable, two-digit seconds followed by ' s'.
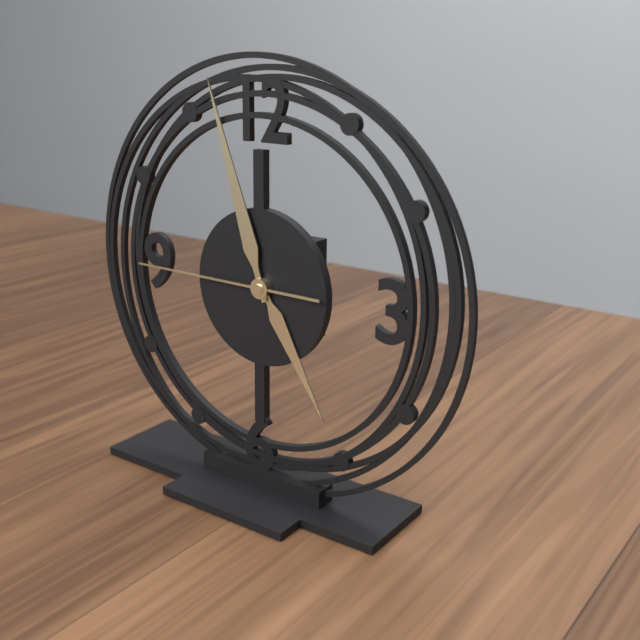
4 h 57 min 45 s
